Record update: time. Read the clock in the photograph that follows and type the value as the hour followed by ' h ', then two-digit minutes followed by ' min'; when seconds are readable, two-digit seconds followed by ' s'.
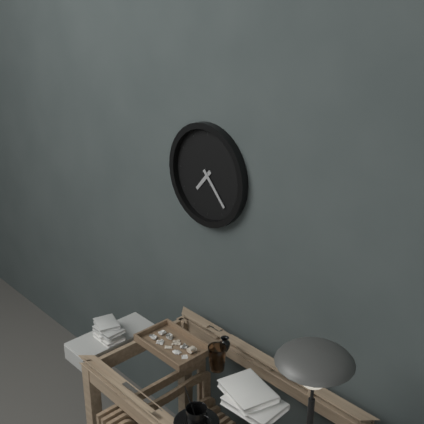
7 h 23 min
